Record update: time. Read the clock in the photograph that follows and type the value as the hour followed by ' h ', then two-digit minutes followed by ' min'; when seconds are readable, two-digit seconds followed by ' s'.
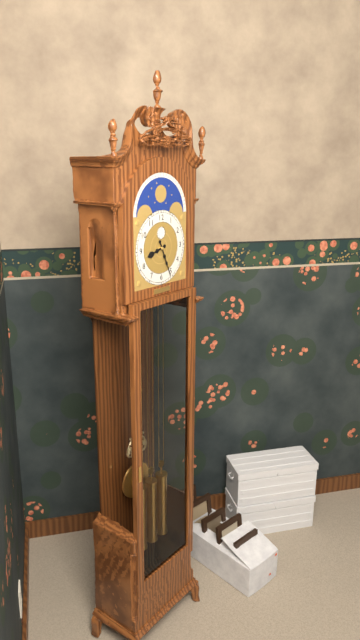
8 h 26 min
